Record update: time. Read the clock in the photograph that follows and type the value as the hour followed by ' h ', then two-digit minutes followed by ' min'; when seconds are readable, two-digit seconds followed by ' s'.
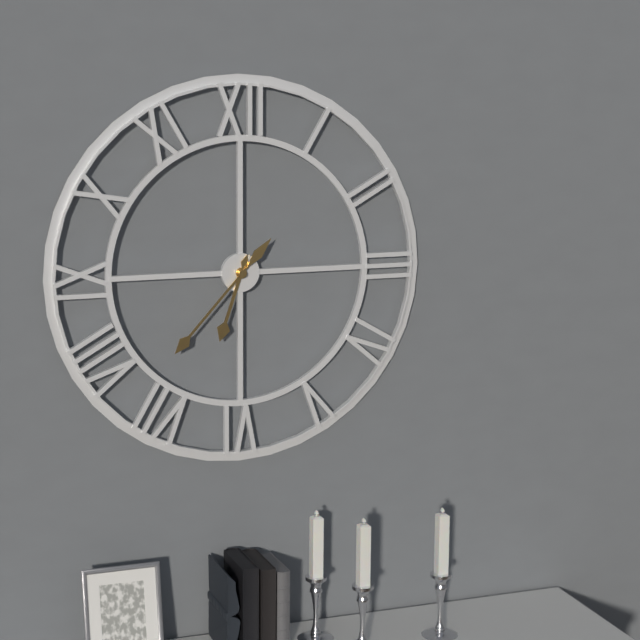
6 h 37 min
